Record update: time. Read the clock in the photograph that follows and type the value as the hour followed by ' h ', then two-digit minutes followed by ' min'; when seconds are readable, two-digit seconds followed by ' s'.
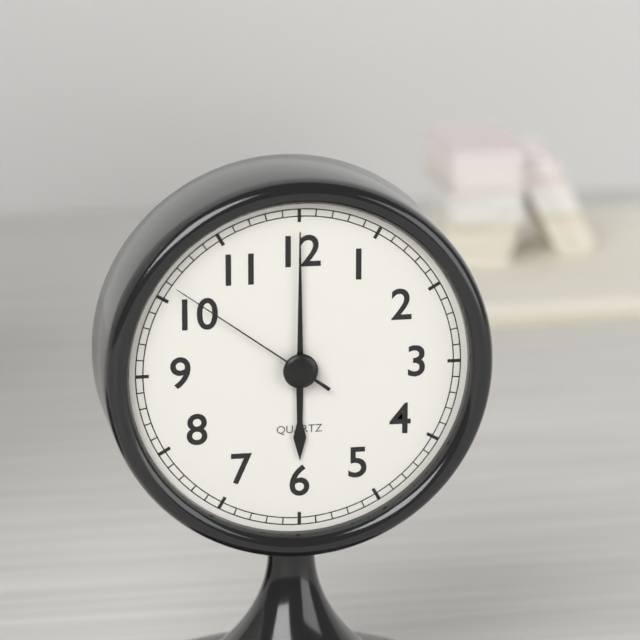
6 h 00 min 51 s
